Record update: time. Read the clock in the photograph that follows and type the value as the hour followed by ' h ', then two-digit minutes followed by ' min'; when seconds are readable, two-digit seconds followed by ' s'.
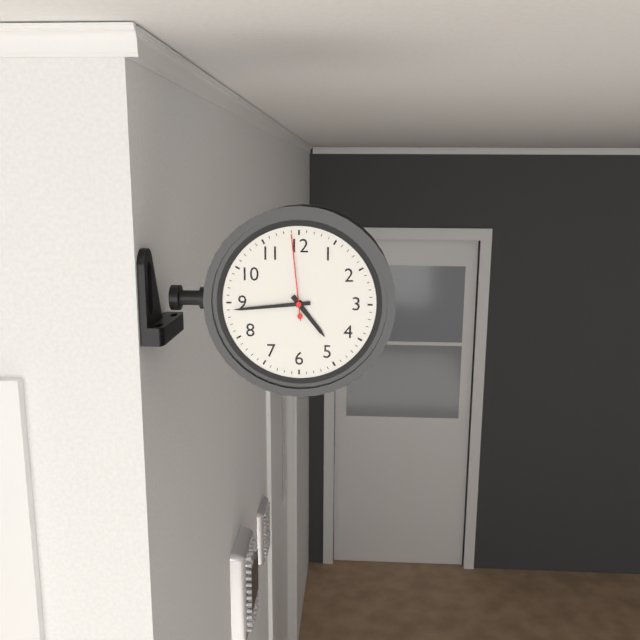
4 h 44 min 59 s
